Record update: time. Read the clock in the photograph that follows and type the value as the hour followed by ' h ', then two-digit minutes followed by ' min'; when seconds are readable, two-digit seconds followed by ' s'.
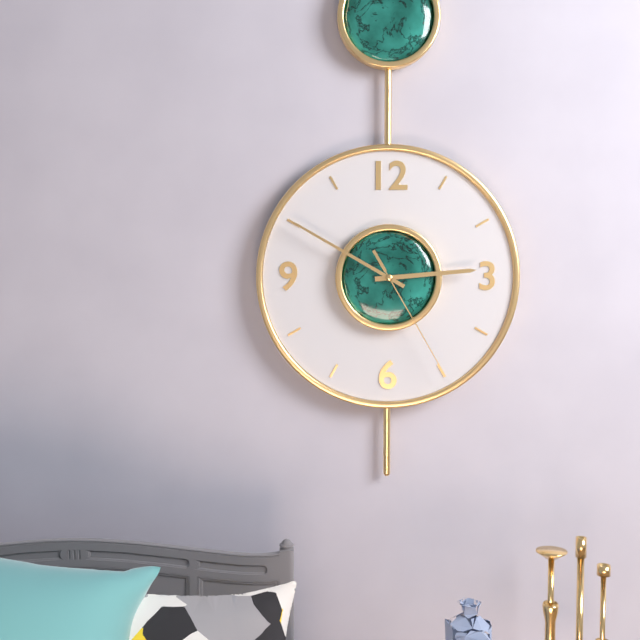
2 h 50 min 25 s
